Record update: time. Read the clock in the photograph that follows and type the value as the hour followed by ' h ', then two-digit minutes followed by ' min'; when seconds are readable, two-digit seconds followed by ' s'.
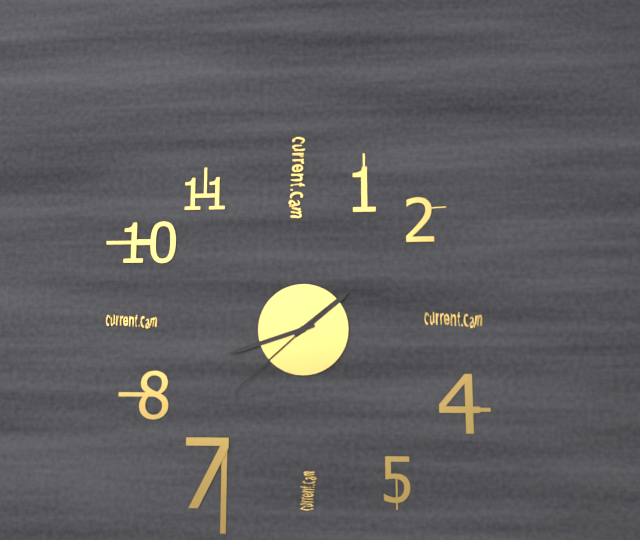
1 h 42 min 38 s
